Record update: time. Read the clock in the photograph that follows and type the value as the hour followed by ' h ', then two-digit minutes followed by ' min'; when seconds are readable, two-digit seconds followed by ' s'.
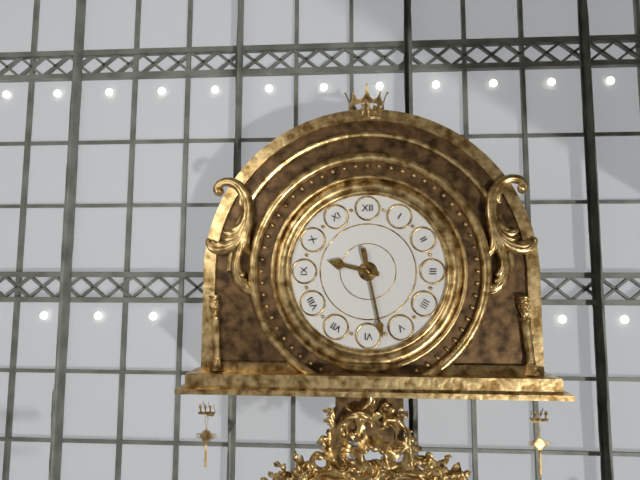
9 h 28 min
